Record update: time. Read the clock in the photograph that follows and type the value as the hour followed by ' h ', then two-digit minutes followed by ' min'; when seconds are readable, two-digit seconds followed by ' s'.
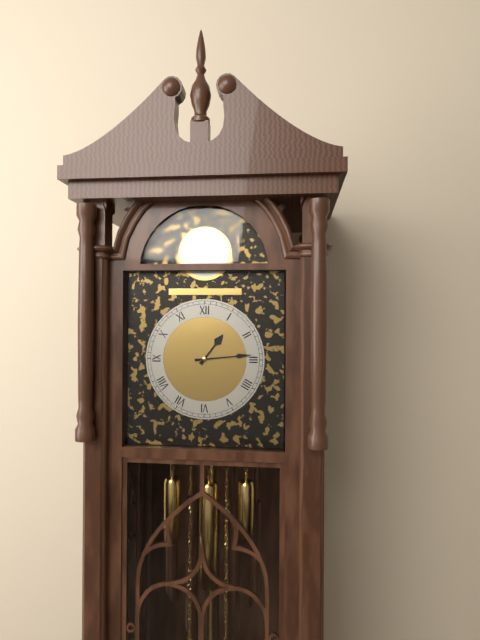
1 h 14 min
